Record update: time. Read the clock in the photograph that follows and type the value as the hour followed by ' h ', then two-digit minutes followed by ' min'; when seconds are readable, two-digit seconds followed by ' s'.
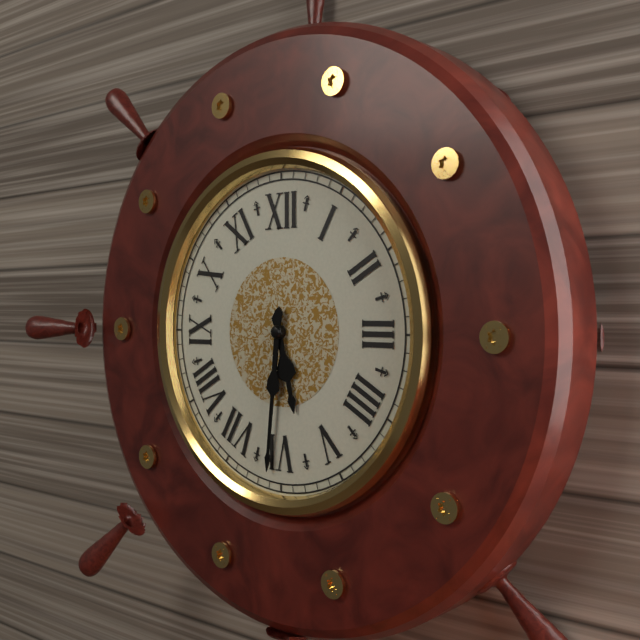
5 h 31 min
